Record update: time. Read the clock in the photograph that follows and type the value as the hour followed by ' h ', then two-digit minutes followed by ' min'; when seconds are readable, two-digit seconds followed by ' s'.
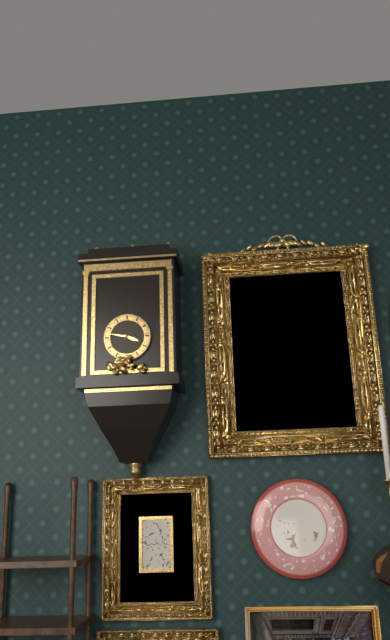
3 h 47 min
